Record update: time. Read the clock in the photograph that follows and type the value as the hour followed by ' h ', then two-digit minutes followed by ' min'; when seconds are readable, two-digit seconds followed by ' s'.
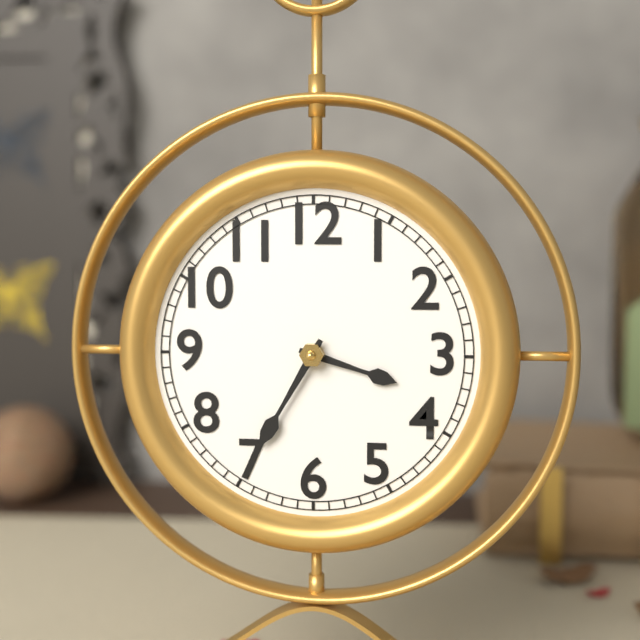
3 h 35 min
